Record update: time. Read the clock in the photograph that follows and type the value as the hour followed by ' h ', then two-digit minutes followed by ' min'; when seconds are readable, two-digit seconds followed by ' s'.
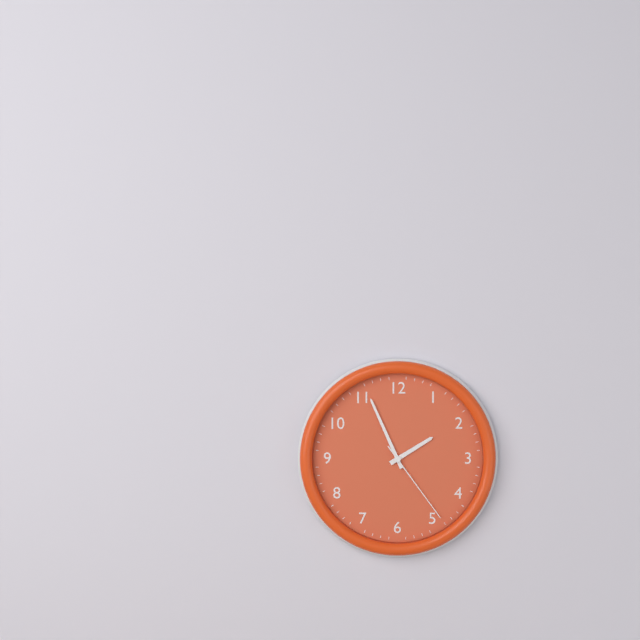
1 h 56 min 24 s
